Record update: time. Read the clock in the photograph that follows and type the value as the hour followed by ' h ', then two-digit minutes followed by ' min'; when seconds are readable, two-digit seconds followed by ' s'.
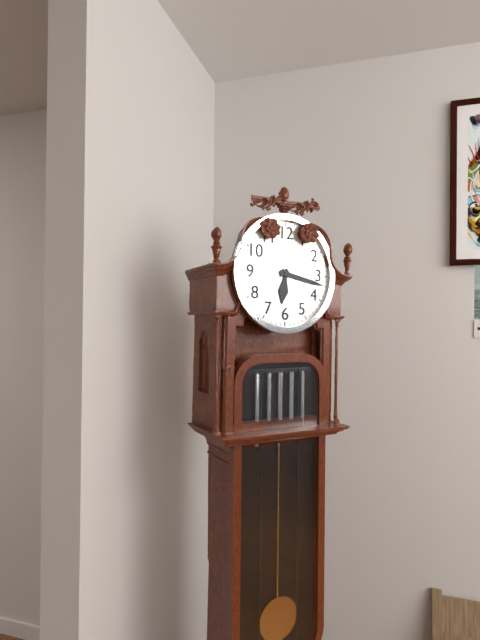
6 h 17 min
